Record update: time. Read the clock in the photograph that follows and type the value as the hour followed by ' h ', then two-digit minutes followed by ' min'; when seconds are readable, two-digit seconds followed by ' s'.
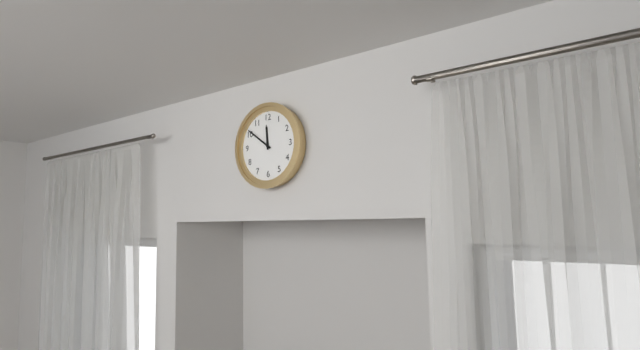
11 h 51 min
